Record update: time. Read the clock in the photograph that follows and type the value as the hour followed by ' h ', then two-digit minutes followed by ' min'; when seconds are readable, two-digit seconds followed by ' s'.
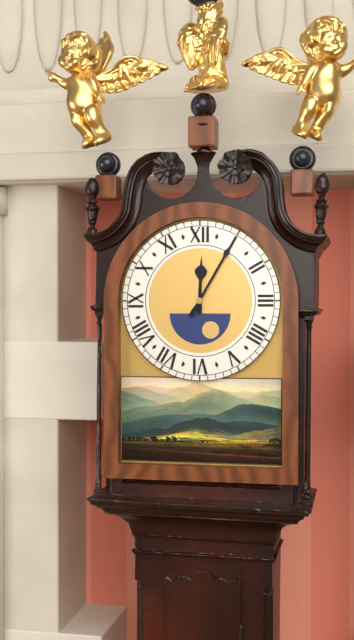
12 h 05 min
